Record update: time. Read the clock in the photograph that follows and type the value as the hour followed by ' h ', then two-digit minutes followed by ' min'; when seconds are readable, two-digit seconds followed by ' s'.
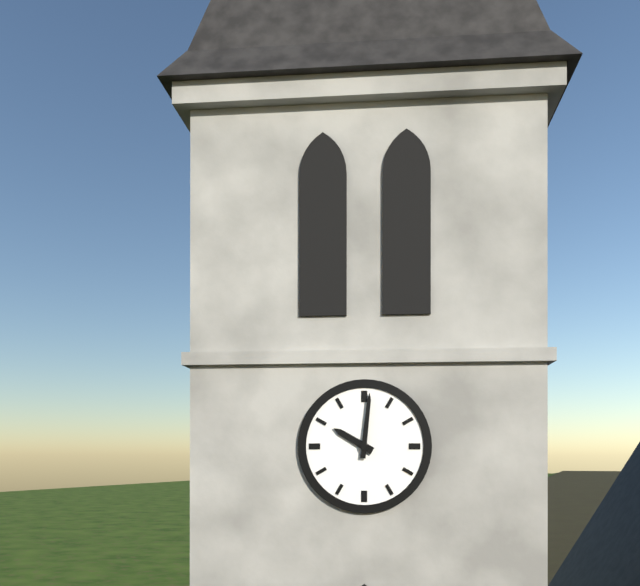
10 h 01 min
